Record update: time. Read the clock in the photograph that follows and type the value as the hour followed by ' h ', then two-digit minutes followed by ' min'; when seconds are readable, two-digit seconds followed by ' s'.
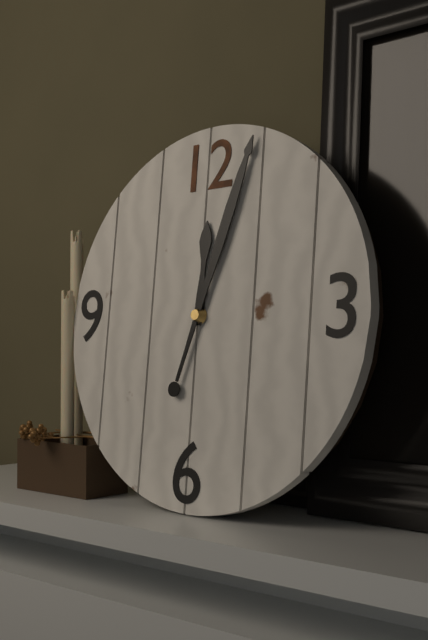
12 h 03 min
